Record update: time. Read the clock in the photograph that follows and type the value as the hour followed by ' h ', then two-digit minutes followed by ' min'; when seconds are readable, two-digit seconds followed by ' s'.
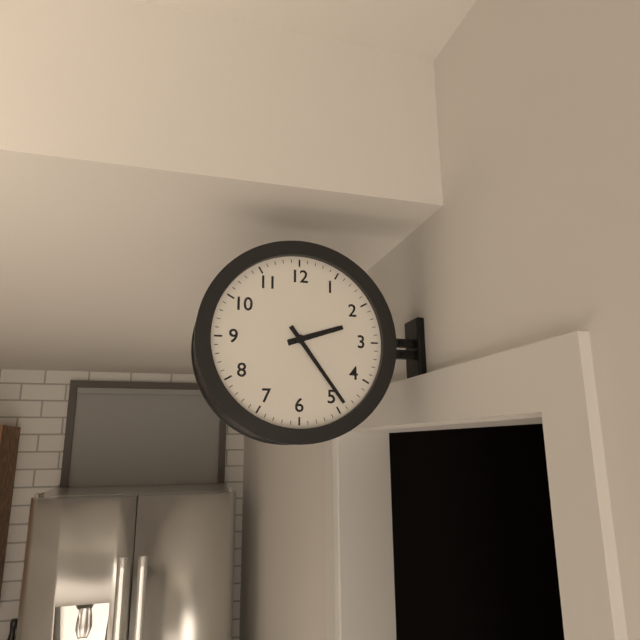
2 h 24 min
